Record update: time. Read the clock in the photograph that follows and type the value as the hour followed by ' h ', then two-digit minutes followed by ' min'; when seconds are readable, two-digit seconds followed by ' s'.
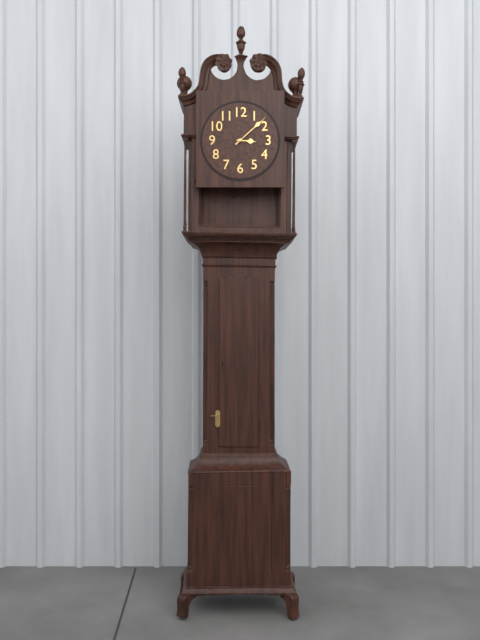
3 h 08 min
